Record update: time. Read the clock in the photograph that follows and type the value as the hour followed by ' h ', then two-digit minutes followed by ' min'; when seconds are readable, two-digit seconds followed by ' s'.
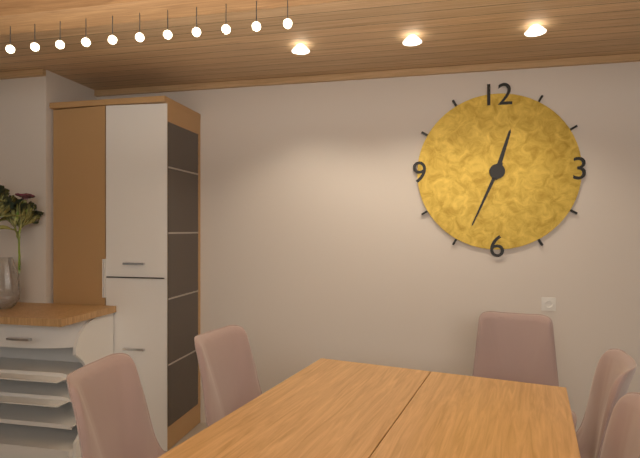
12 h 34 min
